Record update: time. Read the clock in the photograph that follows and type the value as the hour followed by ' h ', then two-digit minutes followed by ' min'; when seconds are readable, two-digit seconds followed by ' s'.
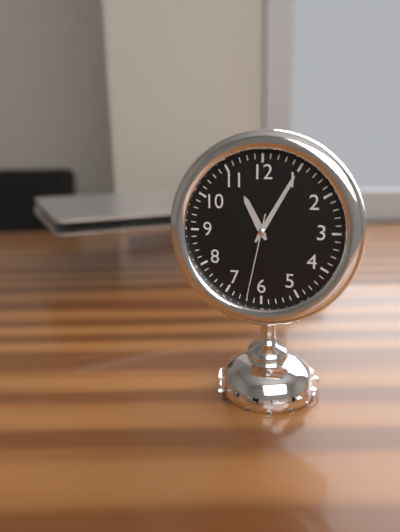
11 h 05 min 32 s
